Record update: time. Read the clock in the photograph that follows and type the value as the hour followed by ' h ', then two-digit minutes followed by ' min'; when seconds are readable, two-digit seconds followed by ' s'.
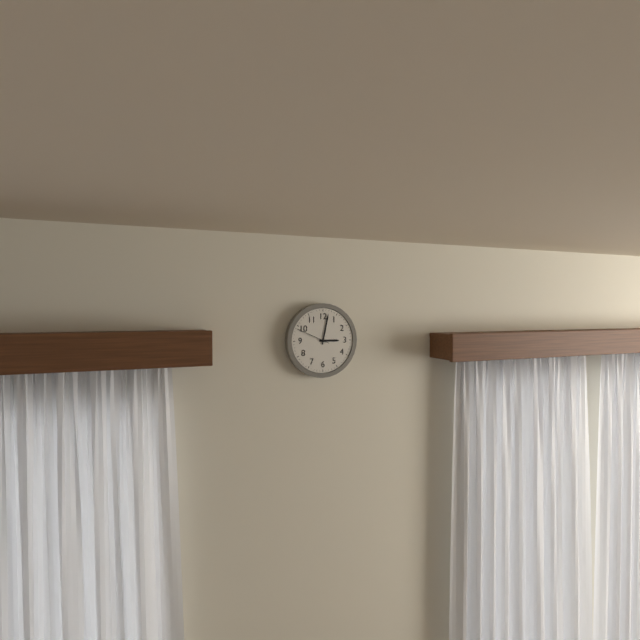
3 h 02 min
